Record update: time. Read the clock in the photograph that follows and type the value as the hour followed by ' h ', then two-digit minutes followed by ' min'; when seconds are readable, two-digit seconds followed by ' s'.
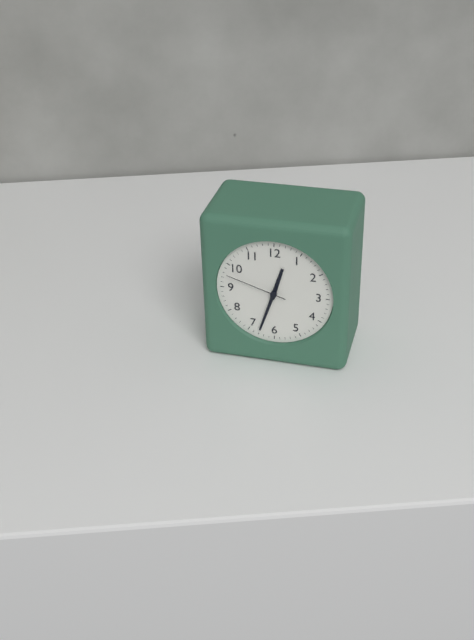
12 h 33 min 48 s
